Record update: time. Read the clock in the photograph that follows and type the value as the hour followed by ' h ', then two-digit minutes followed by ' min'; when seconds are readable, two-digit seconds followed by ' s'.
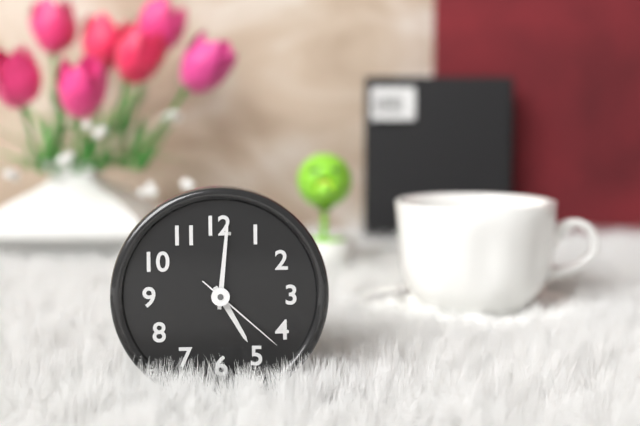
5 h 01 min 22 s
